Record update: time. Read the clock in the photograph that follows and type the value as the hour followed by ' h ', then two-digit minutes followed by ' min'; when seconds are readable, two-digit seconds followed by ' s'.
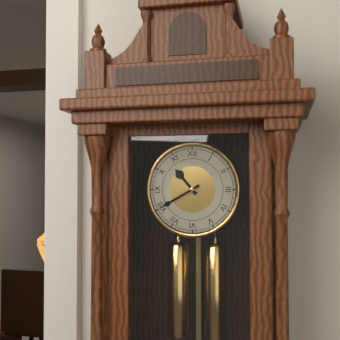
10 h 40 min
